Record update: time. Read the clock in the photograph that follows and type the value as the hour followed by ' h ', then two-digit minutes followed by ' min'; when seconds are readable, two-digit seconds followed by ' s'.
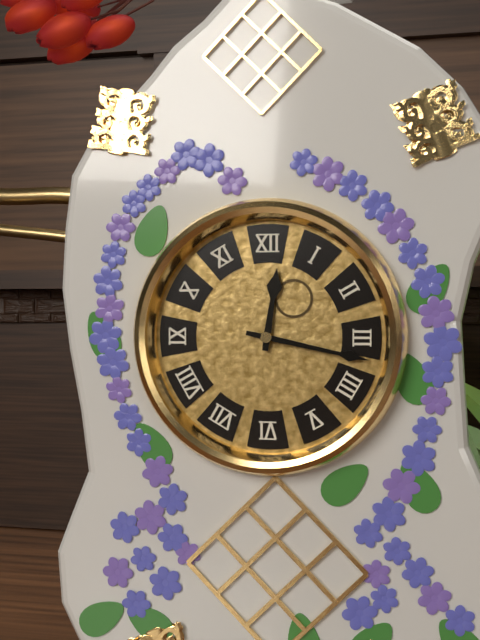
12 h 17 min
